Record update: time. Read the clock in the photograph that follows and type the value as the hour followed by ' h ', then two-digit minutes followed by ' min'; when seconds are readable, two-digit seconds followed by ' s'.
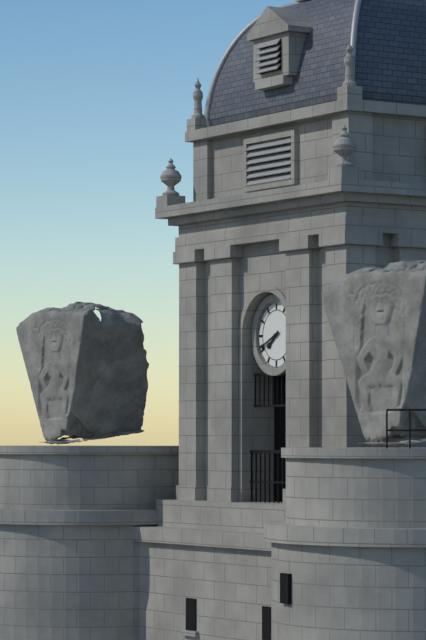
7 h 41 min
